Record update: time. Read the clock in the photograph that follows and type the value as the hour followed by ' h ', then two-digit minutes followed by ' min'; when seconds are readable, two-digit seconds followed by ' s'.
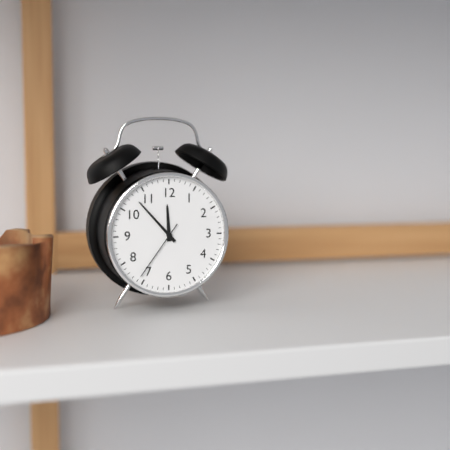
11 h 53 min 36 s
